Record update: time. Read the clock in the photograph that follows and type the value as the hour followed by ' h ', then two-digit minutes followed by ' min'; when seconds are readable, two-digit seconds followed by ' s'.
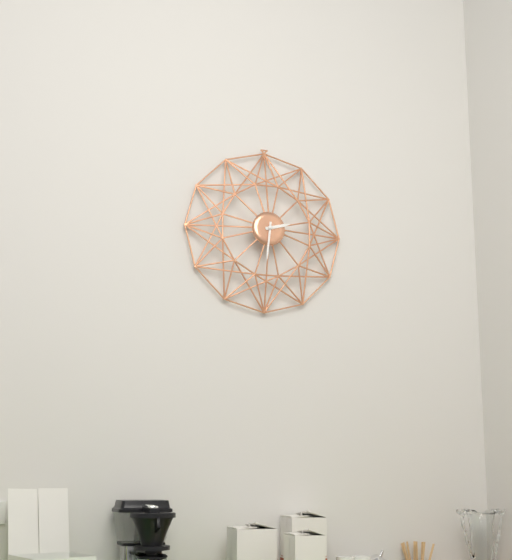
2 h 31 min
